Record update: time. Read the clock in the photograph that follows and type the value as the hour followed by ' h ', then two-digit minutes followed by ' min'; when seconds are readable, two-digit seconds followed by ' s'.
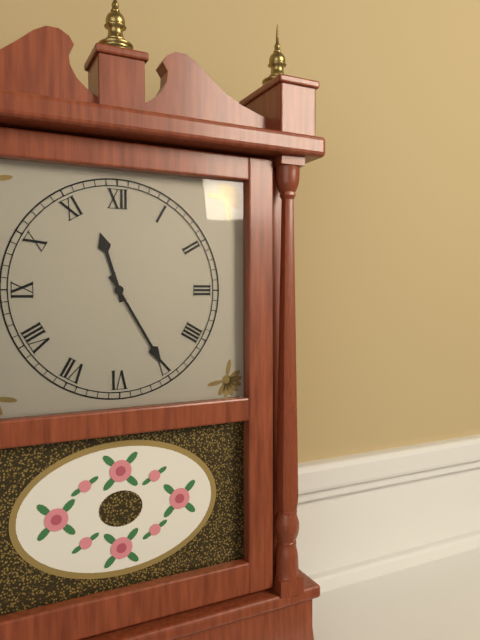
11 h 25 min
